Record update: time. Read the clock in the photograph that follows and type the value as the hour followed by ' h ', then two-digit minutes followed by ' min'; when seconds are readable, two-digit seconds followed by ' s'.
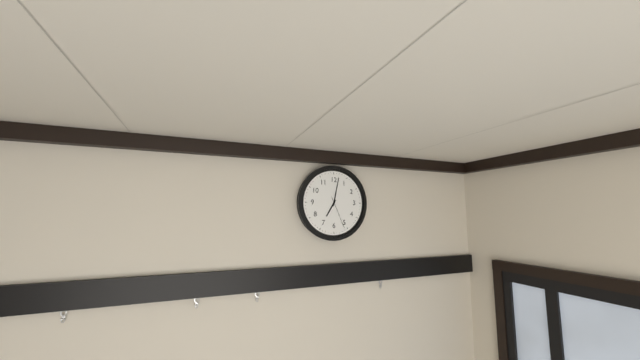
7 h 02 min
